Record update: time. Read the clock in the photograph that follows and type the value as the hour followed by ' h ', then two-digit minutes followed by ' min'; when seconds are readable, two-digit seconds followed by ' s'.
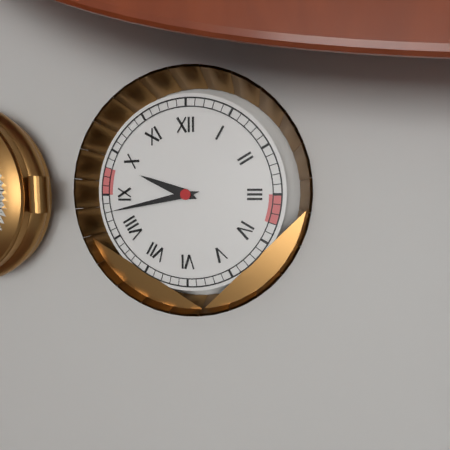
9 h 43 min
